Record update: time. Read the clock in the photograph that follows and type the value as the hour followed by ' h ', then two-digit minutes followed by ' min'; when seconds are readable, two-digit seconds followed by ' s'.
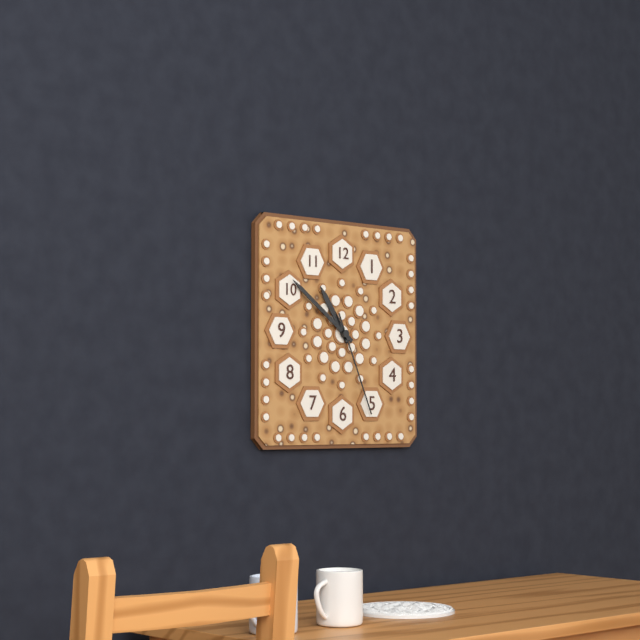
10 h 51 min 26 s
